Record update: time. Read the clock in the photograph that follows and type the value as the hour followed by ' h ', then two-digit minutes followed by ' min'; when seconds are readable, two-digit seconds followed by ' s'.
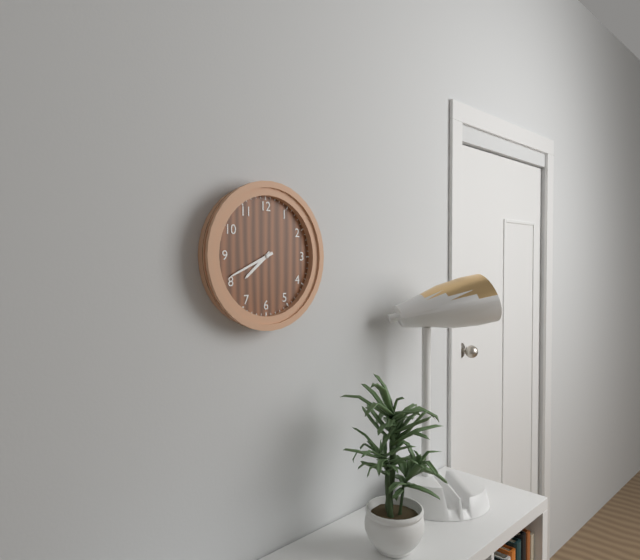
7 h 41 min
